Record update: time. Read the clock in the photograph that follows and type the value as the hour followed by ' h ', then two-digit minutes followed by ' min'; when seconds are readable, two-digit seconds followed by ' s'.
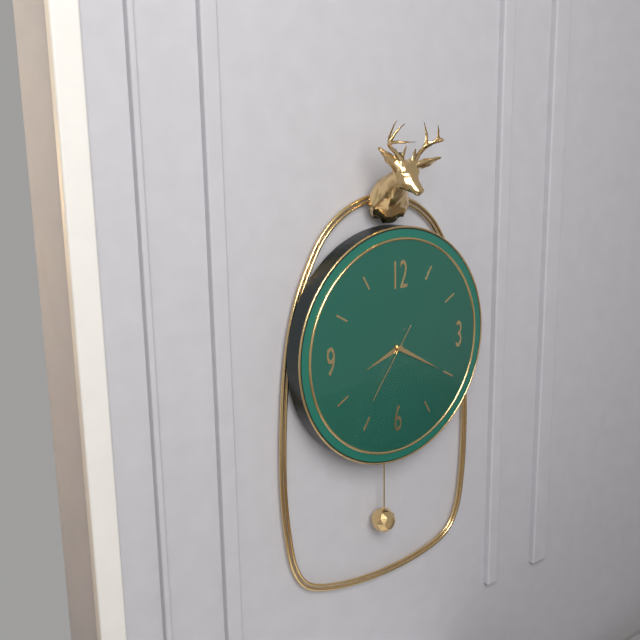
8 h 20 min 36 s
